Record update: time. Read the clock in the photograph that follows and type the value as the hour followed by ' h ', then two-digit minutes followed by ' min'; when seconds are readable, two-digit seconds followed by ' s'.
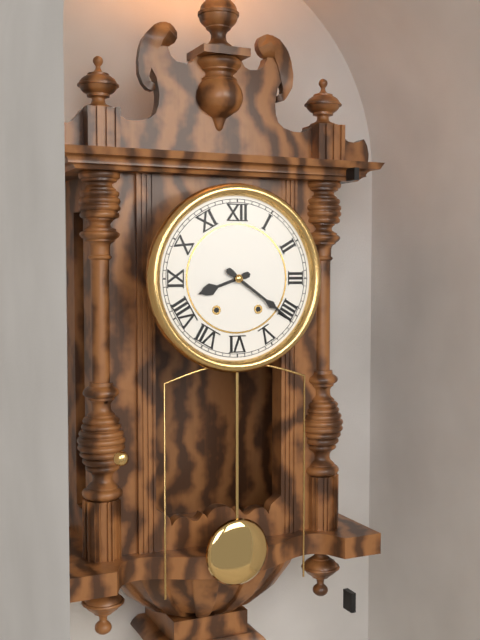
8 h 21 min
